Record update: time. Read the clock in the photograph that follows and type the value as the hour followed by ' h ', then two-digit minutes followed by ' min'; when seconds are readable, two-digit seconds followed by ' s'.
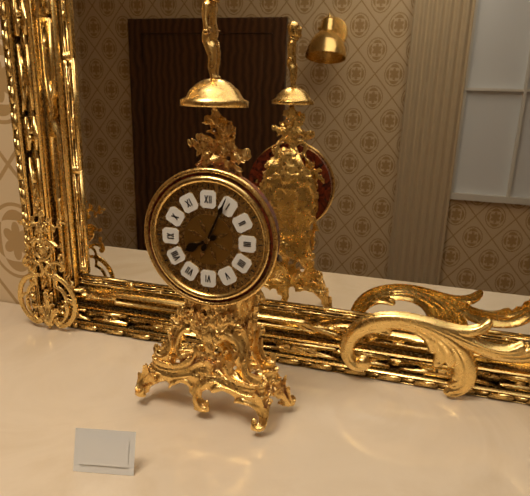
8 h 04 min
